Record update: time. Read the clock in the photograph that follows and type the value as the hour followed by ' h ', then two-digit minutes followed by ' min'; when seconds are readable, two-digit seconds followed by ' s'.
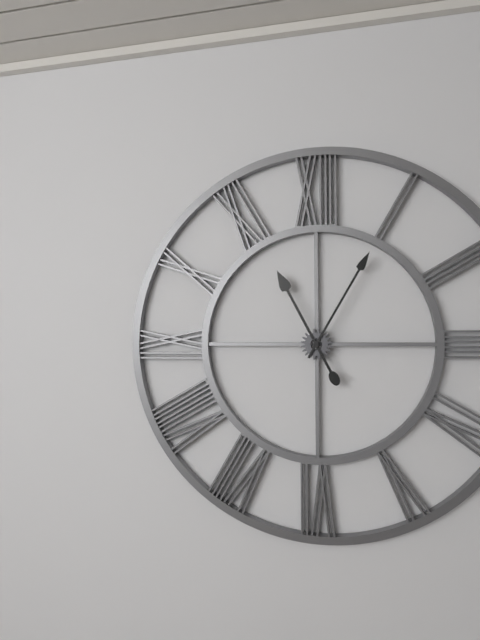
11 h 05 min
